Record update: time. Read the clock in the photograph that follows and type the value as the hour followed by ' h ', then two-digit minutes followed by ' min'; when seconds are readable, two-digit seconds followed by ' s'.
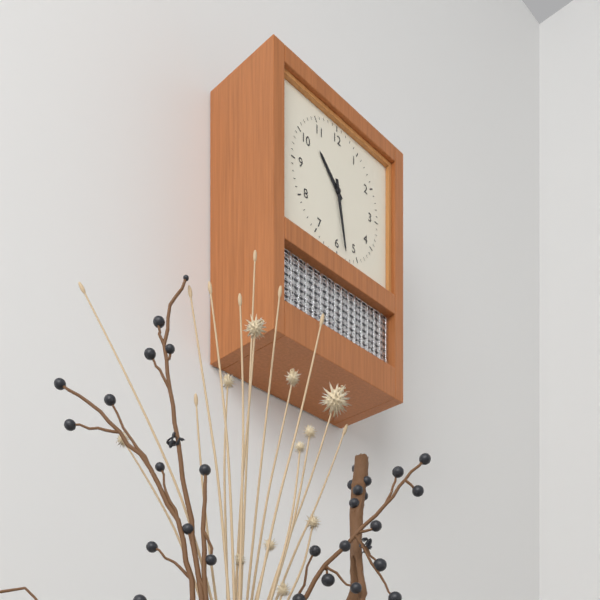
10 h 28 min
